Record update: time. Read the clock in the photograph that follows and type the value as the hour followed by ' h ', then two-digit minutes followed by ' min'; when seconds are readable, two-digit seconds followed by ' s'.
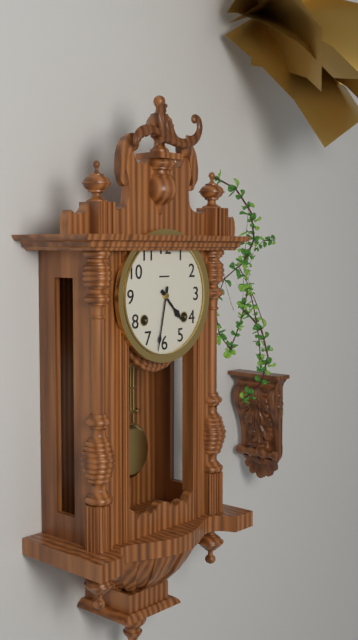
4 h 32 min
